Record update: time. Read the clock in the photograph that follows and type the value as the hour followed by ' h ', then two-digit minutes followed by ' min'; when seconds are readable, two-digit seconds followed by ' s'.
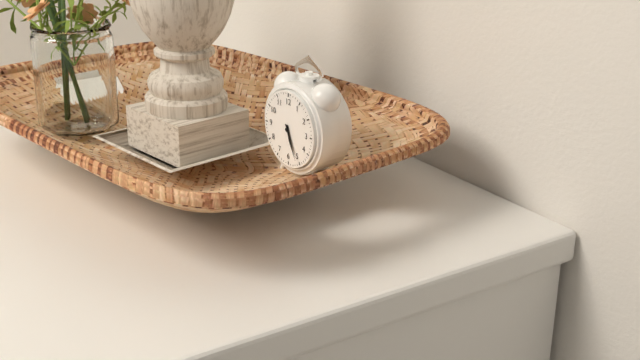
5 h 26 min
